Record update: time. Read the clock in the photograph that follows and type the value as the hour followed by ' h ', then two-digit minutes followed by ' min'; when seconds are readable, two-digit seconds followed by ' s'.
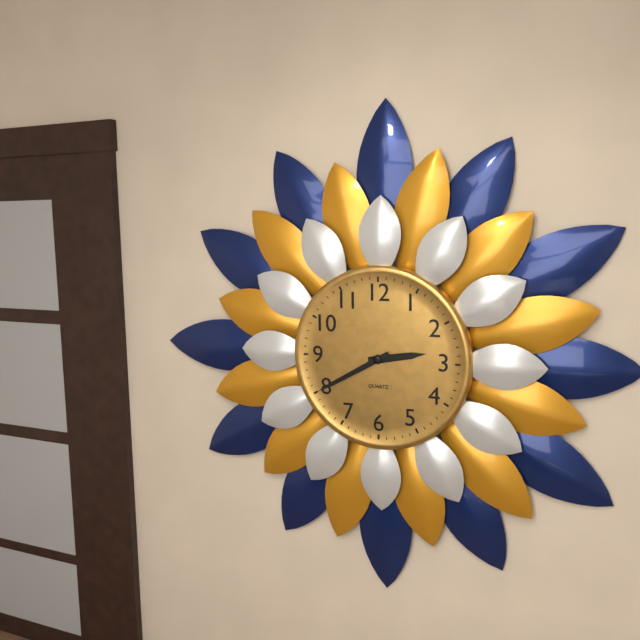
2 h 40 min
